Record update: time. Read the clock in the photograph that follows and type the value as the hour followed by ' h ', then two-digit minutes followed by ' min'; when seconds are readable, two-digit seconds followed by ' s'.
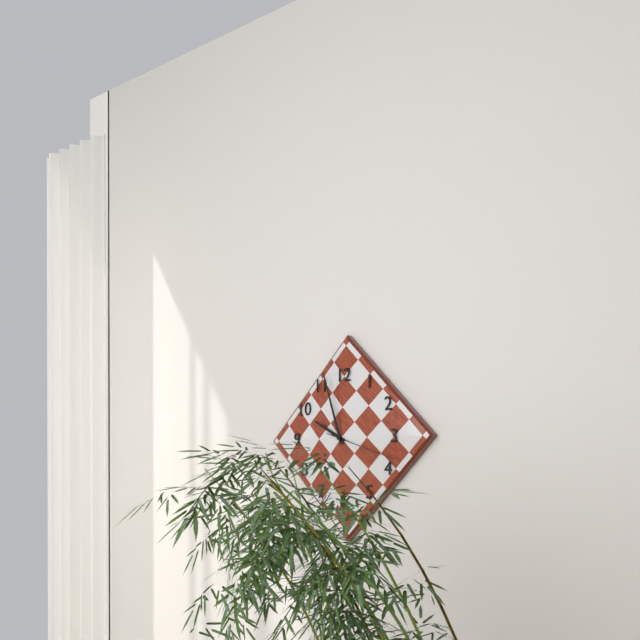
9 h 57 min 18 s
